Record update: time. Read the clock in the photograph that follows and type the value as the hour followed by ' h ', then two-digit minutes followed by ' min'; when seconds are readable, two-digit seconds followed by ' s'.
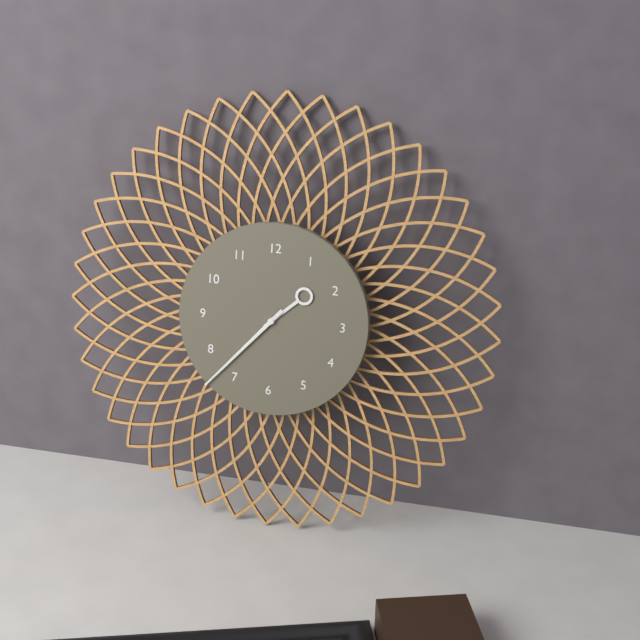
1 h 37 min
